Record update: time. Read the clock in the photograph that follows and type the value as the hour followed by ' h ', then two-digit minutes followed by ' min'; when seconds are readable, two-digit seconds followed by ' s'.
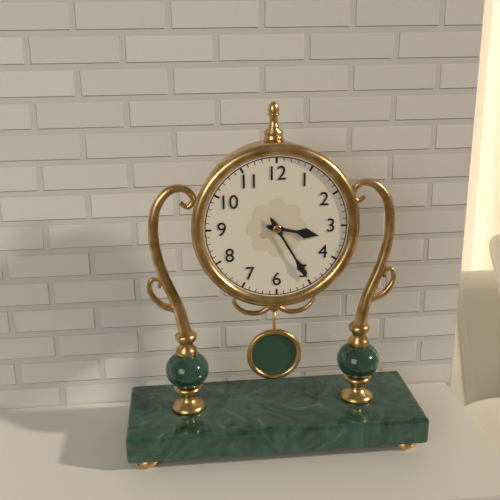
3 h 25 min
